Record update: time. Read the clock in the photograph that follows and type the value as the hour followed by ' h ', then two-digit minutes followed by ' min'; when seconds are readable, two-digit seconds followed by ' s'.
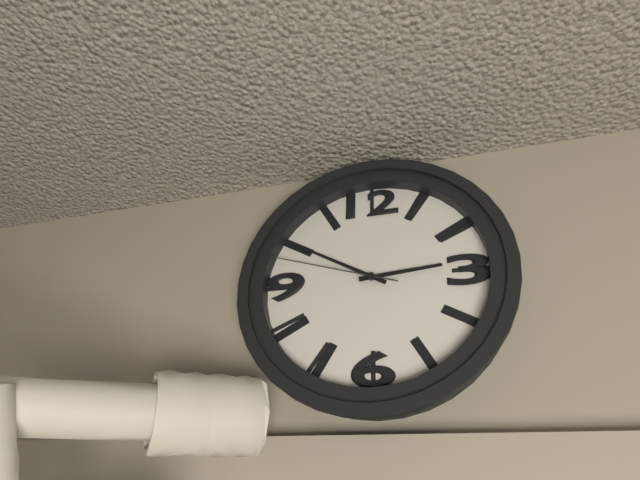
2 h 50 min 48 s
